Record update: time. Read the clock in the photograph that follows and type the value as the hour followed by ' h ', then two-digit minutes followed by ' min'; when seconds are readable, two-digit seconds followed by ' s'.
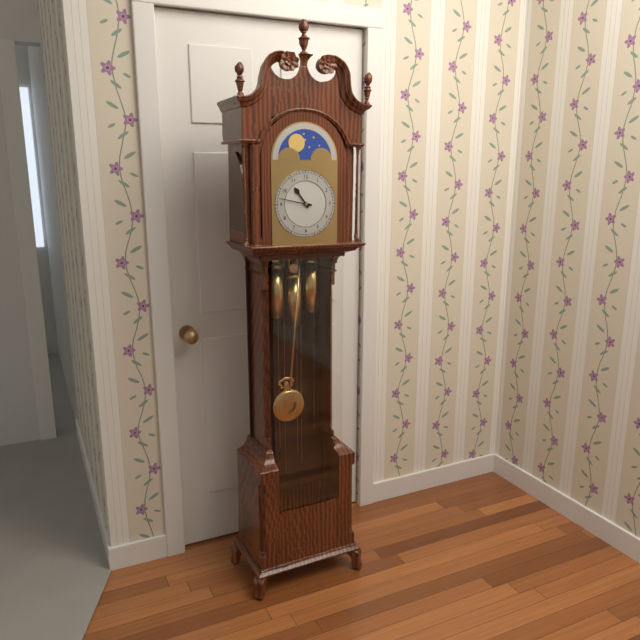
10 h 47 min
